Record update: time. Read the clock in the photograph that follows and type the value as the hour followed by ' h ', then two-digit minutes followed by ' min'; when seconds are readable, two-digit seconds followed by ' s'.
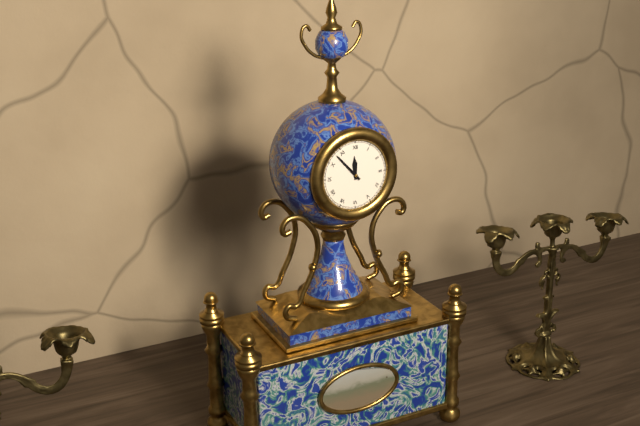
11 h 53 min
